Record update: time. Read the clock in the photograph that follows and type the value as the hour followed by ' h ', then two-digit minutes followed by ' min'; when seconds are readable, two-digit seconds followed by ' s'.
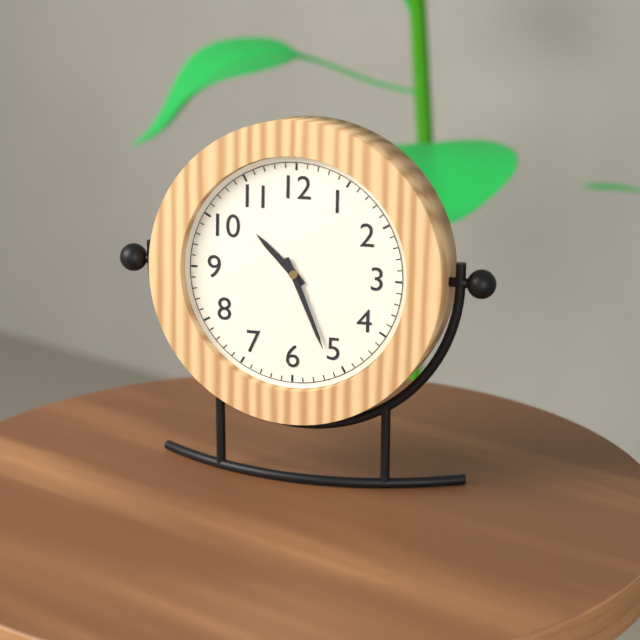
10 h 26 min
